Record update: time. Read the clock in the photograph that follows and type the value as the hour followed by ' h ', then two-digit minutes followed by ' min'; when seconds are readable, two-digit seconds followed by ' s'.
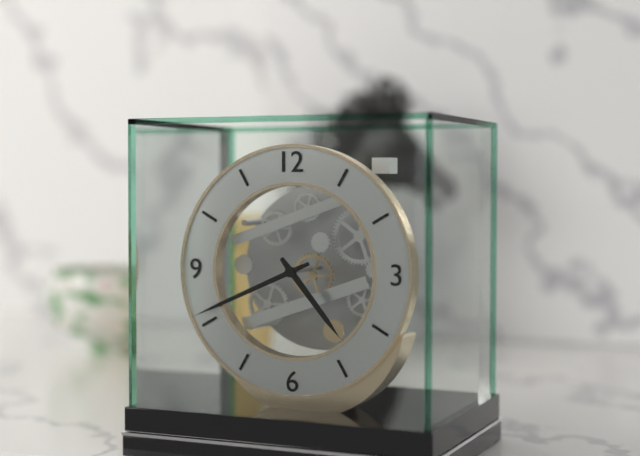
4 h 41 min
